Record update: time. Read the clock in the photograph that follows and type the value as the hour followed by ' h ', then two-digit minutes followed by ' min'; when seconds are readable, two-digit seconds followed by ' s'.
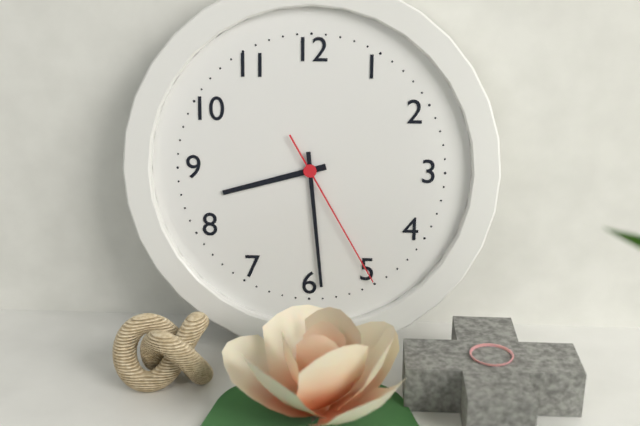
8 h 29 min 25 s
